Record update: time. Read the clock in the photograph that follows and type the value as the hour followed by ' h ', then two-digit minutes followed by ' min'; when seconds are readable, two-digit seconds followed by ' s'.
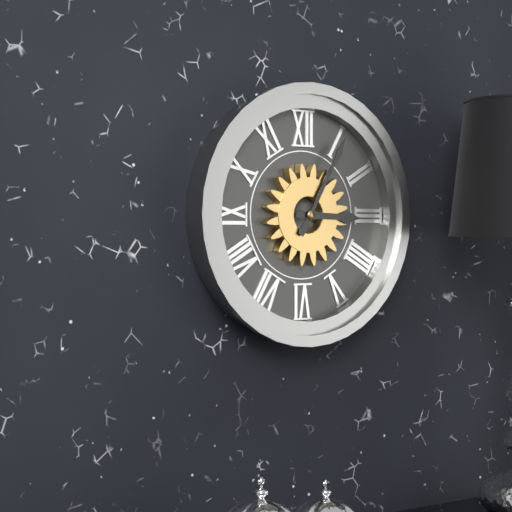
3 h 05 min
